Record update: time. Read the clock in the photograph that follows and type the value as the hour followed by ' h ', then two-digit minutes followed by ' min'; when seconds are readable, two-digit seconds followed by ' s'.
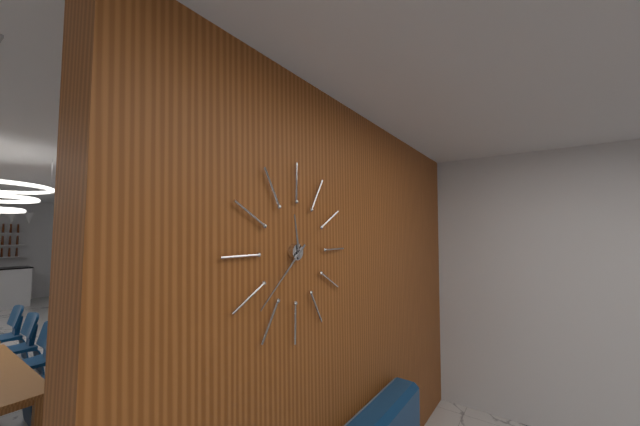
11 h 38 min
